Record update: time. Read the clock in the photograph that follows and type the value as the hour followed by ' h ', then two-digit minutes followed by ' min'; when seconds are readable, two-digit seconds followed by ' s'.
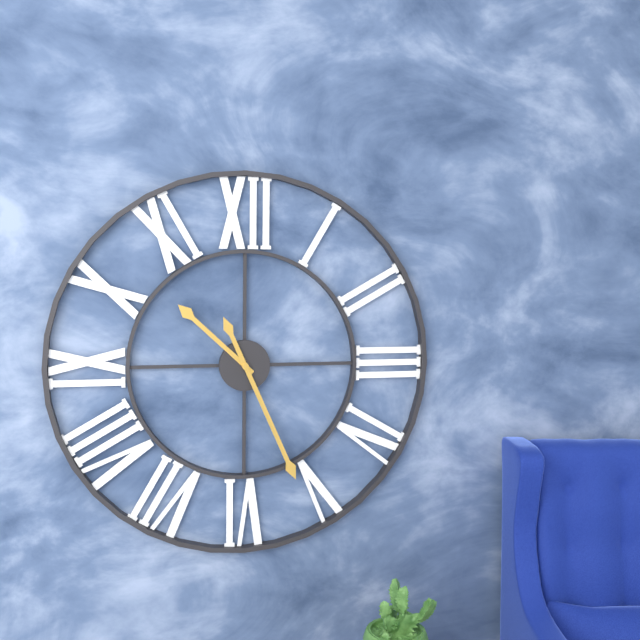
10 h 26 min
